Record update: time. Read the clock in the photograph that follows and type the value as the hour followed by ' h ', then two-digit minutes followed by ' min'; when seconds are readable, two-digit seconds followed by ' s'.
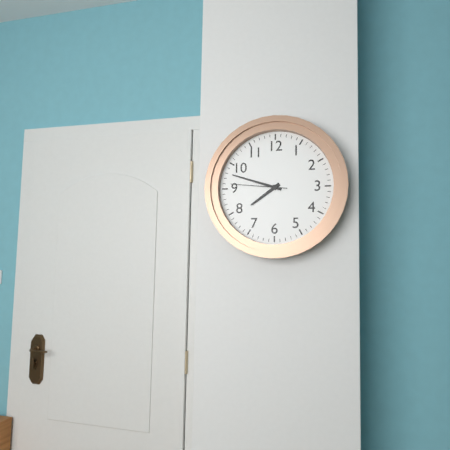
7 h 48 min 46 s
